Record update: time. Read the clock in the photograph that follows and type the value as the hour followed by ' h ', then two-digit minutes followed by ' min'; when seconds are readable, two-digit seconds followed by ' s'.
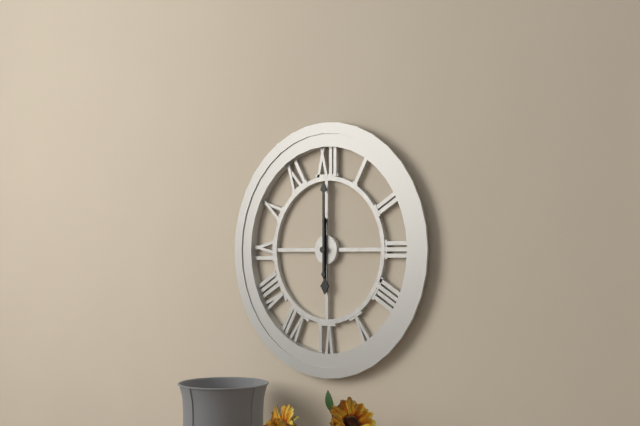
6 h 00 min
